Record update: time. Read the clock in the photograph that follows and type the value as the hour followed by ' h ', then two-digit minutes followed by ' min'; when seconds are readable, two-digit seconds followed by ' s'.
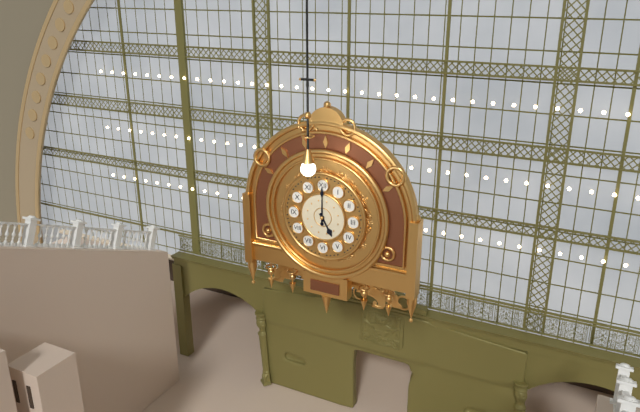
5 h 00 min
